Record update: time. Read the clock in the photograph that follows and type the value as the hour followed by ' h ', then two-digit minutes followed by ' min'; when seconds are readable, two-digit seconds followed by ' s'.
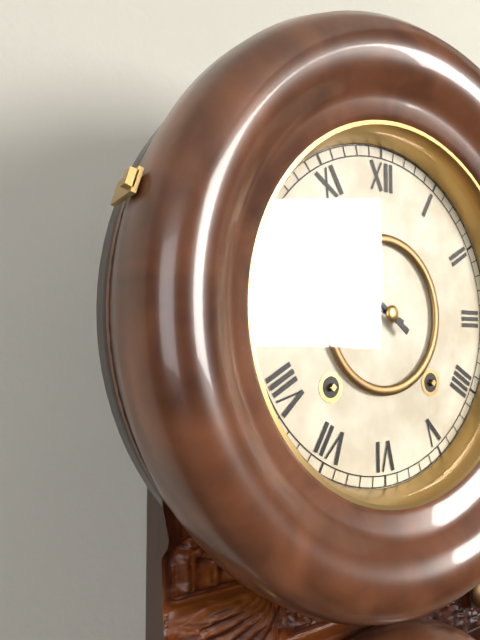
9 h 51 min
